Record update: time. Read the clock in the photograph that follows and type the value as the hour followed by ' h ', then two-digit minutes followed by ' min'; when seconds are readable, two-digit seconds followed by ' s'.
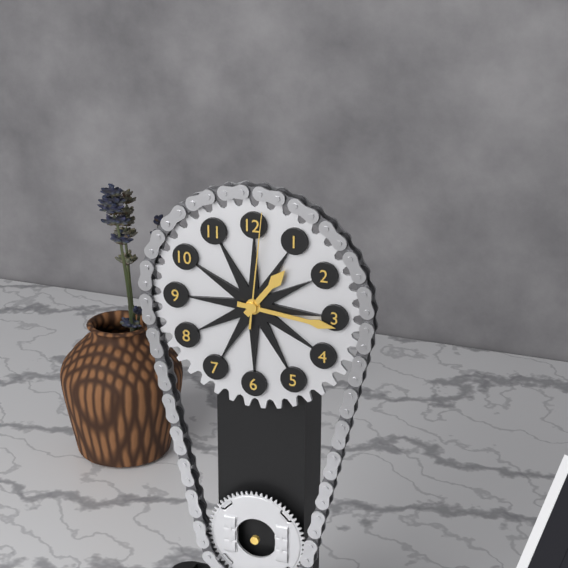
1 h 16 min 01 s
